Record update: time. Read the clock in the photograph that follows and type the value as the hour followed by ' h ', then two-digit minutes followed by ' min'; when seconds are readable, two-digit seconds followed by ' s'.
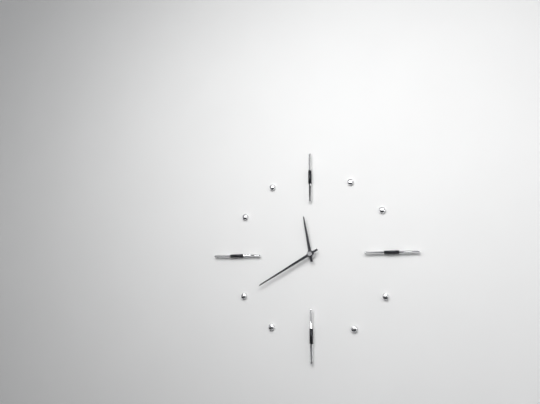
11 h 40 min
